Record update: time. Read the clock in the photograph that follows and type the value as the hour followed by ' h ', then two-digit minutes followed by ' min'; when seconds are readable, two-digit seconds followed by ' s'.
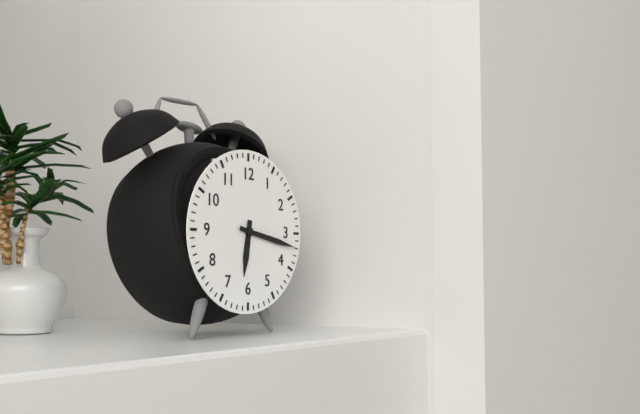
6 h 17 min
